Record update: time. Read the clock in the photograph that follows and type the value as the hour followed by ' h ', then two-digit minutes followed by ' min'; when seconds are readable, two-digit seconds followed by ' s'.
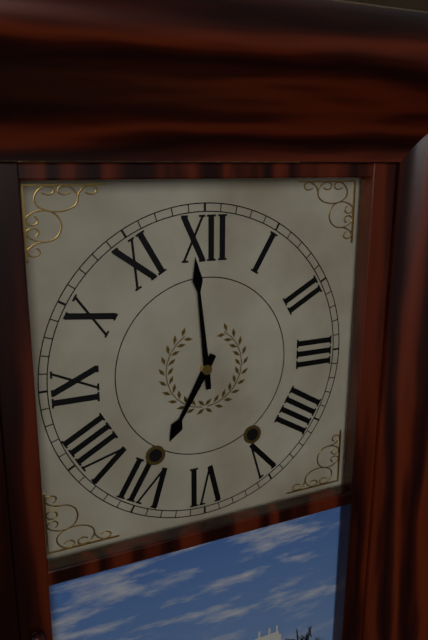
6 h 59 min
